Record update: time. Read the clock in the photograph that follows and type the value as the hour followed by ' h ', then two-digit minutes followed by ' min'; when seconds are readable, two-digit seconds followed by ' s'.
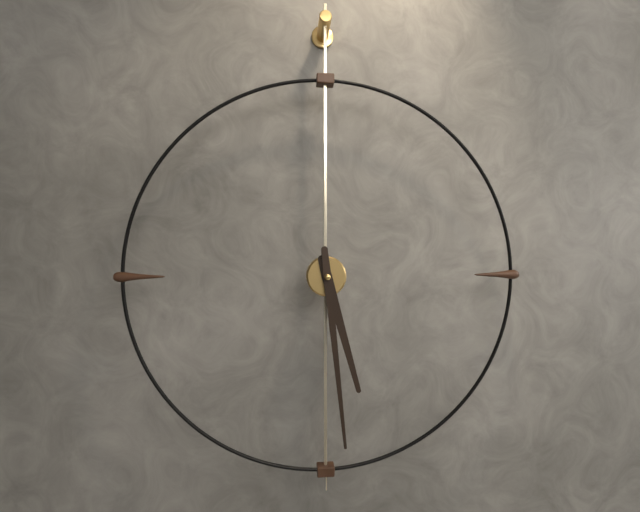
5 h 29 min
